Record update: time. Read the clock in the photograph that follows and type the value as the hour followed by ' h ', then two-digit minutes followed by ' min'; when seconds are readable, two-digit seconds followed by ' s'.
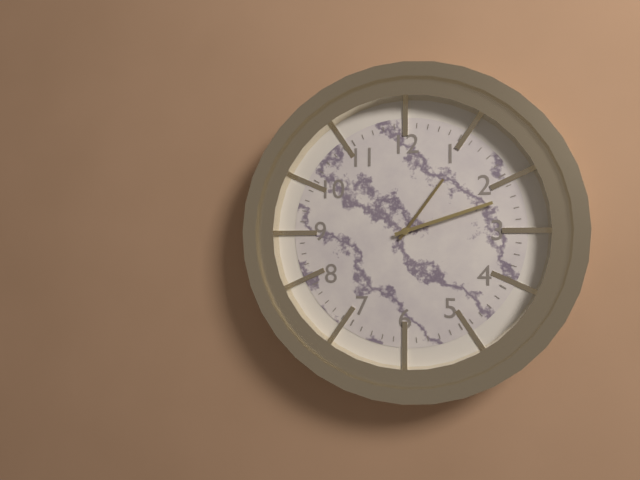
1 h 12 min
